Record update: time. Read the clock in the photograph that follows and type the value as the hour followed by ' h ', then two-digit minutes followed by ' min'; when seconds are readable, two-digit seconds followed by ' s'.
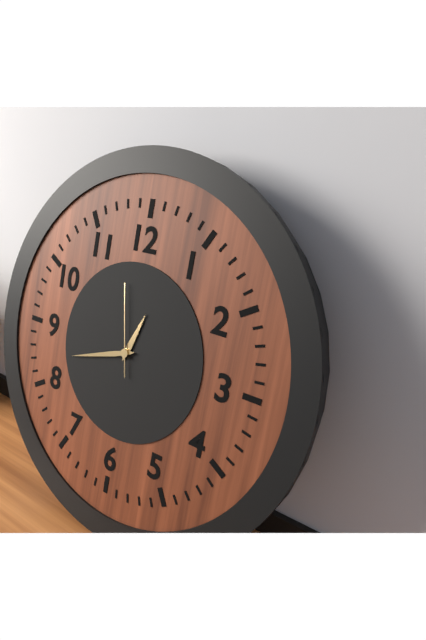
12 h 42 min 58 s
